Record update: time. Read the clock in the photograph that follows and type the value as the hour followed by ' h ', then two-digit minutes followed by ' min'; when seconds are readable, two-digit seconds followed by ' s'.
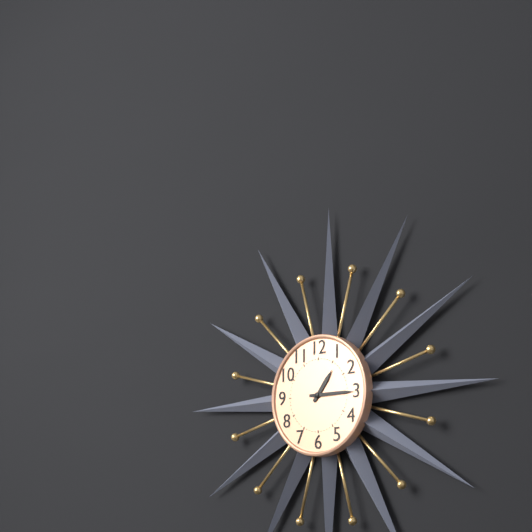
1 h 15 min
